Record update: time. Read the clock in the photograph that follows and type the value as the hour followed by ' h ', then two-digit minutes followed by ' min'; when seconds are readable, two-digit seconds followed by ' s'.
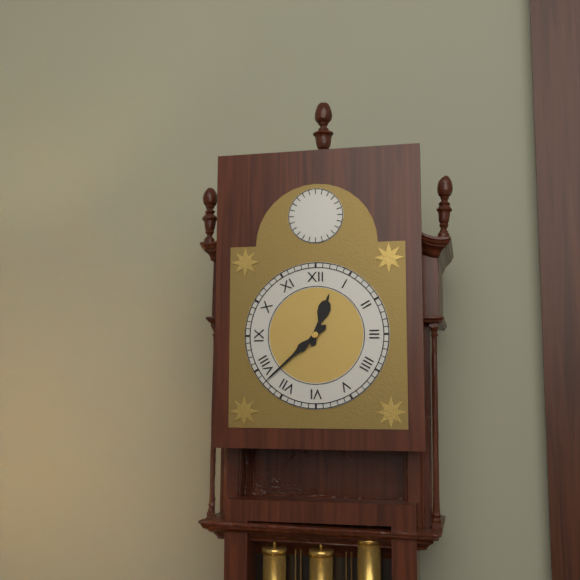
12 h 38 min
